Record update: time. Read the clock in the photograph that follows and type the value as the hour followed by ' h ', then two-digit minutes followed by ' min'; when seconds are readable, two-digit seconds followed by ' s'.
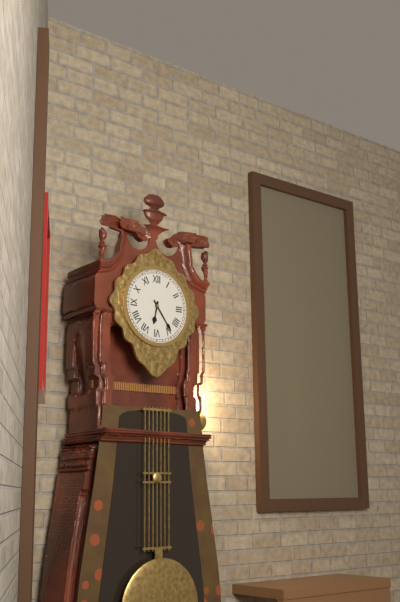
6 h 24 min
